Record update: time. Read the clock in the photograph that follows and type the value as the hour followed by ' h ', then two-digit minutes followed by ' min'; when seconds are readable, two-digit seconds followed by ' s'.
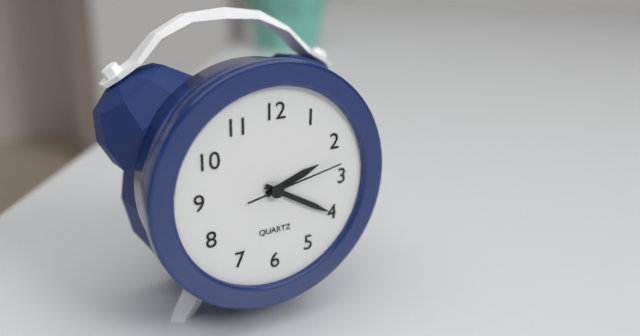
2 h 20 min 13 s
